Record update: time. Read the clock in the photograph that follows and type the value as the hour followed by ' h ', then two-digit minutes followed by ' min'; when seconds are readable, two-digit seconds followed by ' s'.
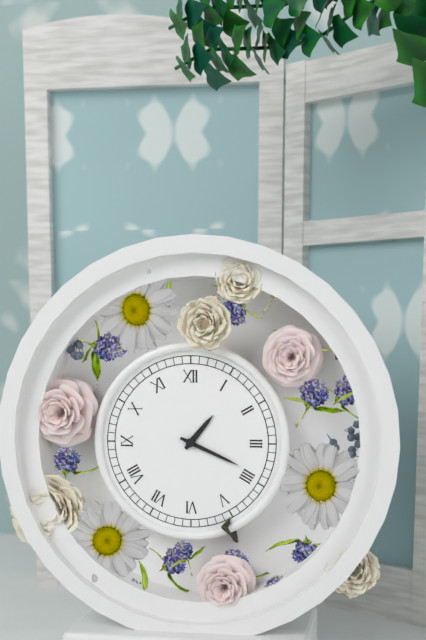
1 h 19 min
